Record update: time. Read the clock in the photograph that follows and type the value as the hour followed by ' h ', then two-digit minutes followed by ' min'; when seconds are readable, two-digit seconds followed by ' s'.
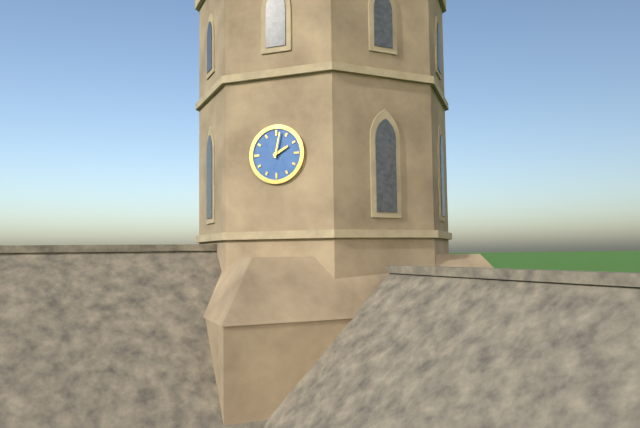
2 h 02 min
